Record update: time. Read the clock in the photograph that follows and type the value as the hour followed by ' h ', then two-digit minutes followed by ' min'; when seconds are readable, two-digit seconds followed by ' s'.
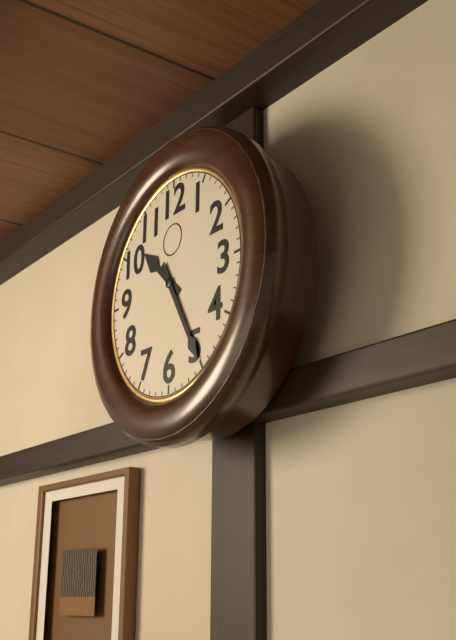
10 h 25 min
